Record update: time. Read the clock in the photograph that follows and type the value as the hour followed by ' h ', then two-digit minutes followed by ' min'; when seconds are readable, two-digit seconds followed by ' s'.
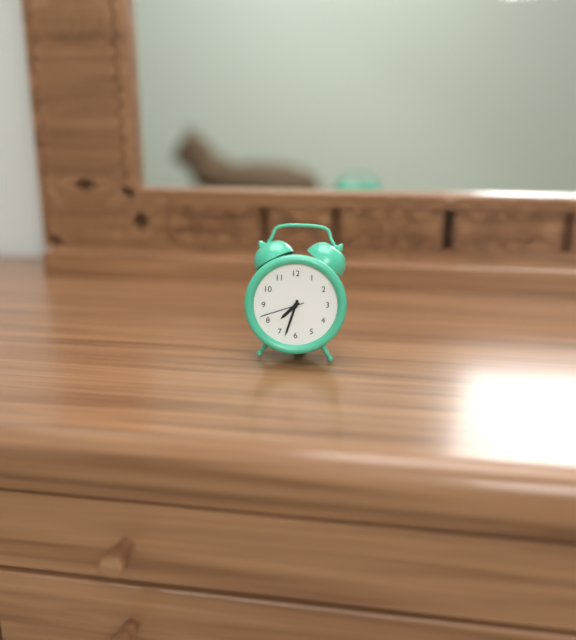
7 h 33 min
